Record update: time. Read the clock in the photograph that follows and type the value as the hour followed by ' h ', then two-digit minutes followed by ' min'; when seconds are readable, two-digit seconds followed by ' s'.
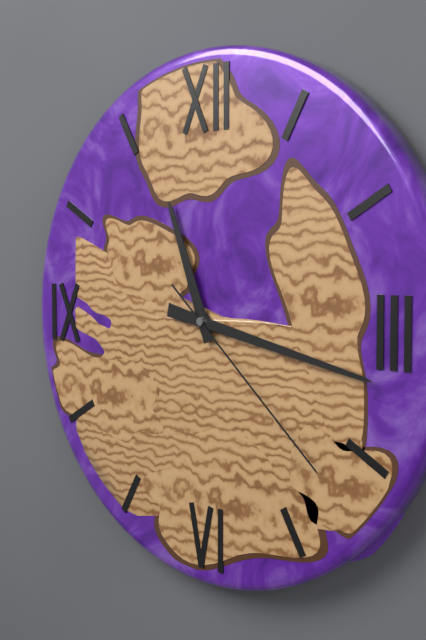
11 h 17 min 22 s
